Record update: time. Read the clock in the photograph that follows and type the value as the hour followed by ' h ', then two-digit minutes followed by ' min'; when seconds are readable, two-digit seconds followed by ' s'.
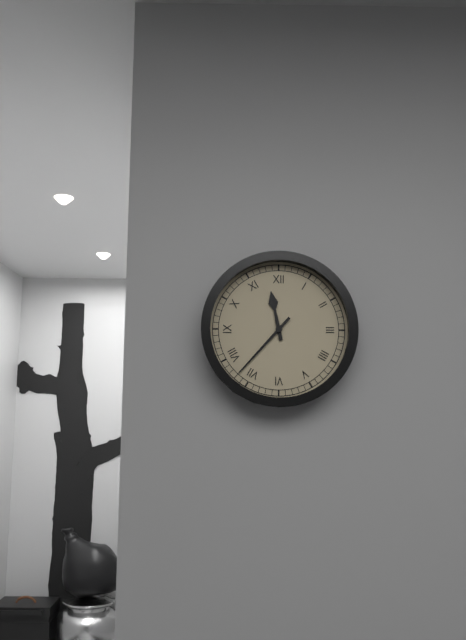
11 h 37 min
